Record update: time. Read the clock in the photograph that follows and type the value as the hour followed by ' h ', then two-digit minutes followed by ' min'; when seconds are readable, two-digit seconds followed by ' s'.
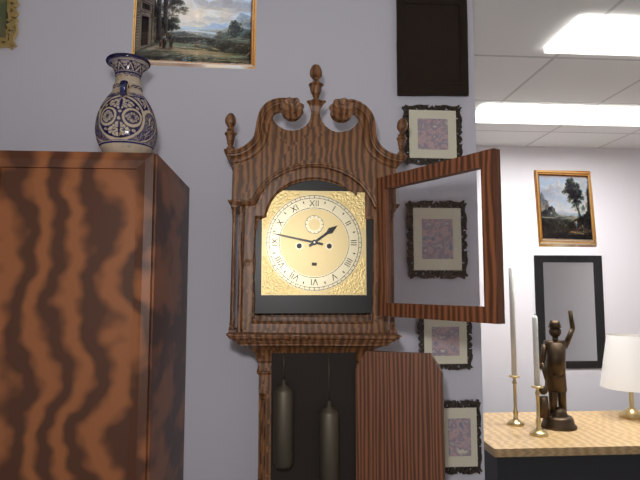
1 h 47 min
